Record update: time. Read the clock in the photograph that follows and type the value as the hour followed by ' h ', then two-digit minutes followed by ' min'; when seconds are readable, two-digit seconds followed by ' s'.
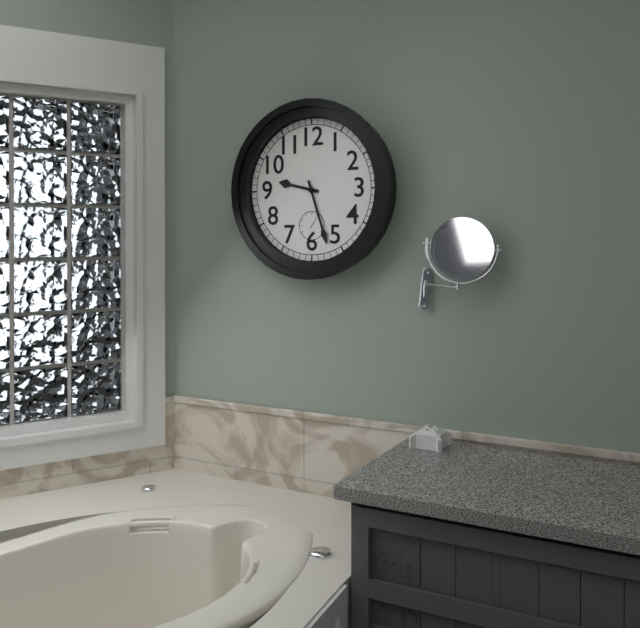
9 h 27 min
